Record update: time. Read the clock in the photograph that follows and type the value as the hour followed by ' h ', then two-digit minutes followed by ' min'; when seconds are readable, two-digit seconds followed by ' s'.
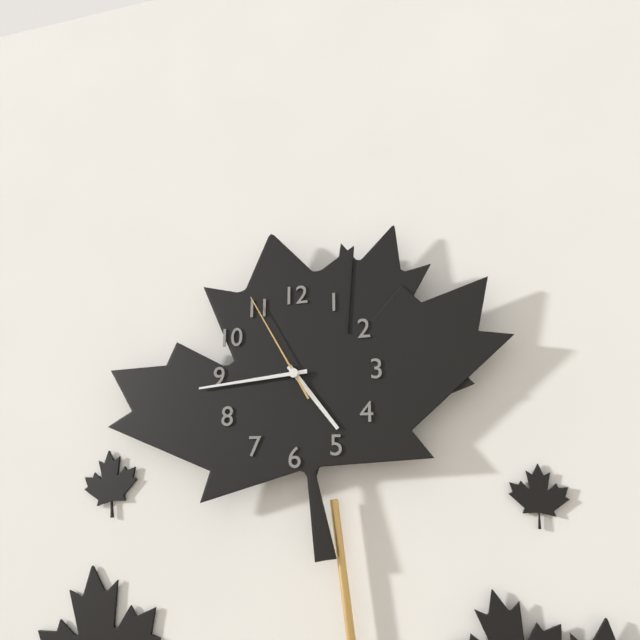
4 h 44 min 55 s
